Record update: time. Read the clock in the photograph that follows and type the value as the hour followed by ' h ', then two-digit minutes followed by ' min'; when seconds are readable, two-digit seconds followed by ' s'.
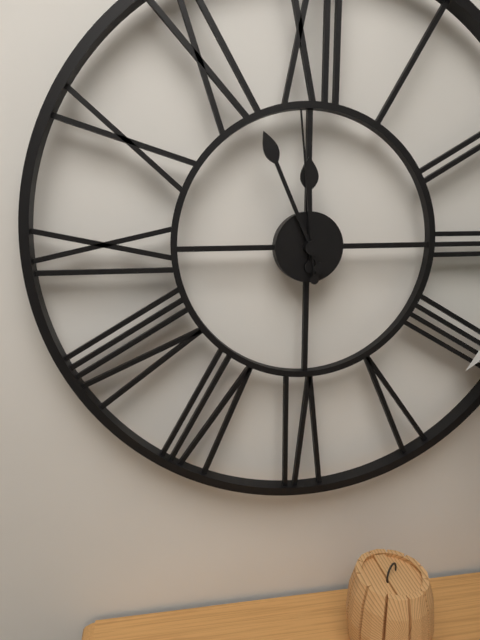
11 h 56 min 59 s
